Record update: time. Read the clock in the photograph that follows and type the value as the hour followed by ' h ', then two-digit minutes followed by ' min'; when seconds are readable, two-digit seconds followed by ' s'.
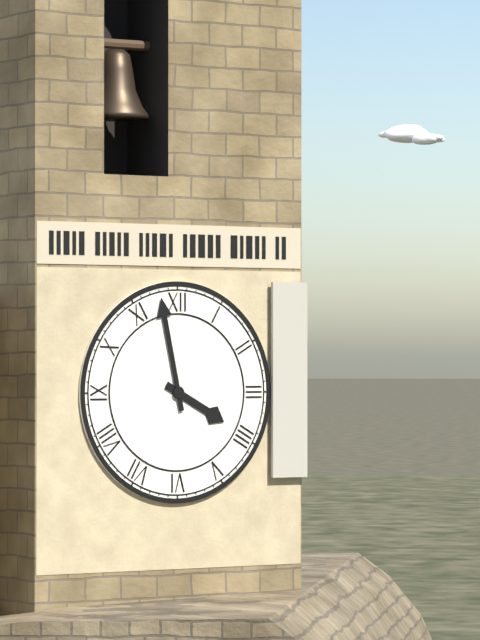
3 h 58 min
